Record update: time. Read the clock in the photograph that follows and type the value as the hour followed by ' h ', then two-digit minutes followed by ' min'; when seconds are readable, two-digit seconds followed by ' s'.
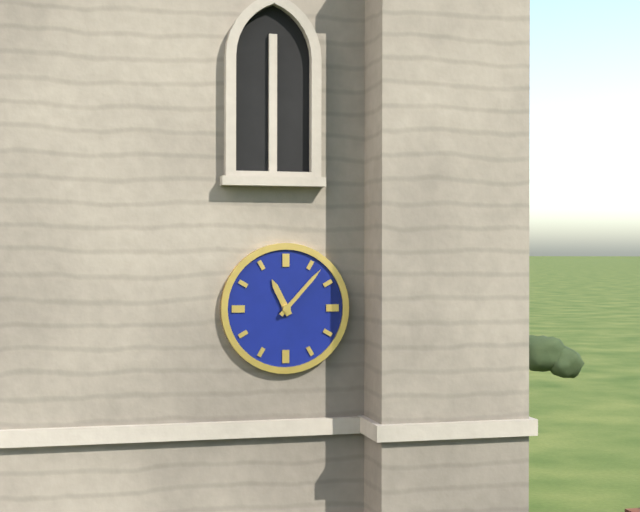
11 h 07 min
